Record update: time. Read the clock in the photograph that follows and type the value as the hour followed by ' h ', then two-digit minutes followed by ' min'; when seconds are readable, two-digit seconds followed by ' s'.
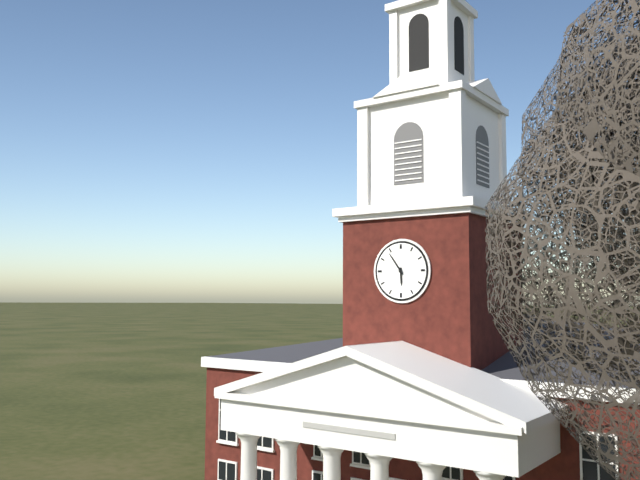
5 h 54 min
